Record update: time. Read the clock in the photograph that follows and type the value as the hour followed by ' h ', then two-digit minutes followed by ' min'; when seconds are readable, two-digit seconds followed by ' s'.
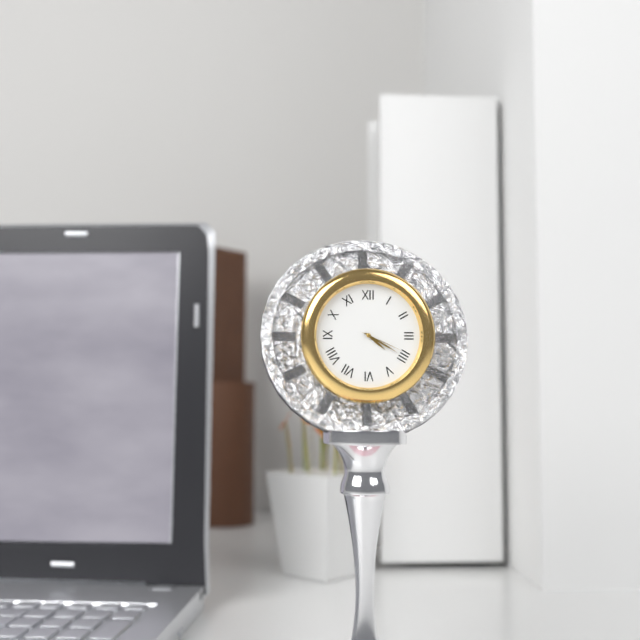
4 h 20 min
